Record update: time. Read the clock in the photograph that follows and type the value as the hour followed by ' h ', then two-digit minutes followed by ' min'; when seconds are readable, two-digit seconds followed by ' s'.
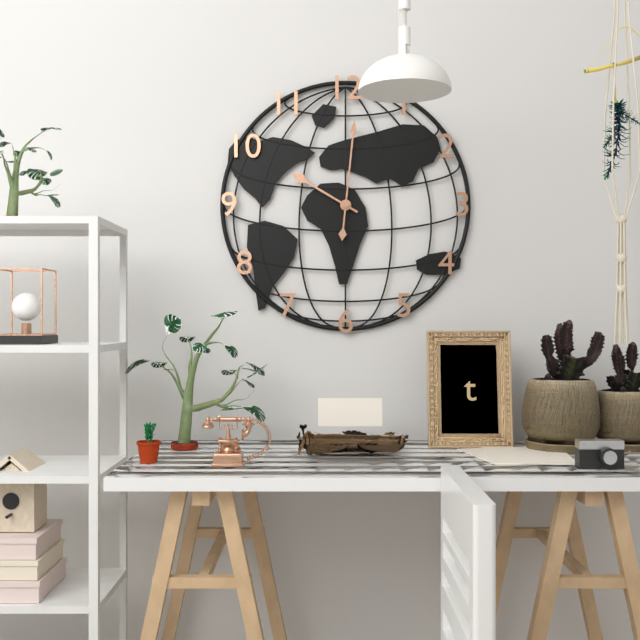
10 h 01 min
